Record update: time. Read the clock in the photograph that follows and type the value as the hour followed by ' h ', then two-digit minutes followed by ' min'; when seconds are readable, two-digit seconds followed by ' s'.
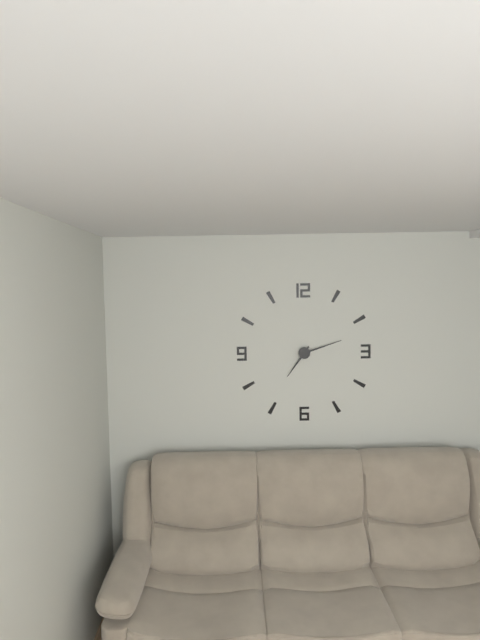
7 h 12 min
